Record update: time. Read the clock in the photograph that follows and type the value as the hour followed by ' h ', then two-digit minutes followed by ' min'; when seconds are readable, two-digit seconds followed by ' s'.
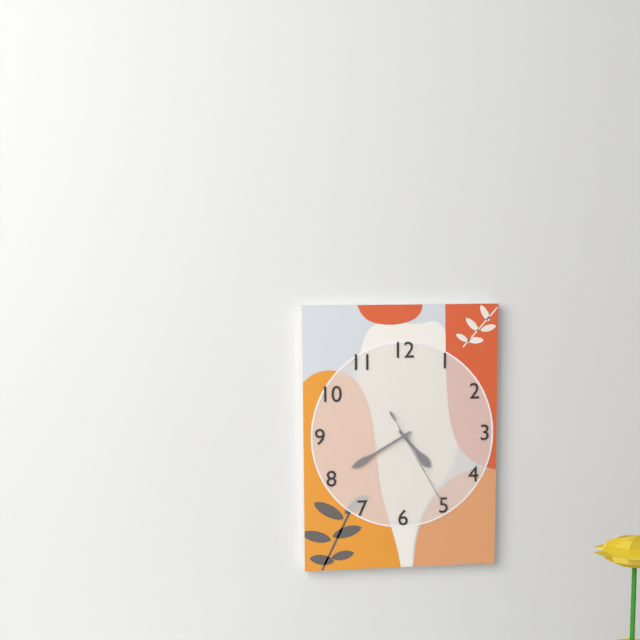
4 h 40 min 25 s
